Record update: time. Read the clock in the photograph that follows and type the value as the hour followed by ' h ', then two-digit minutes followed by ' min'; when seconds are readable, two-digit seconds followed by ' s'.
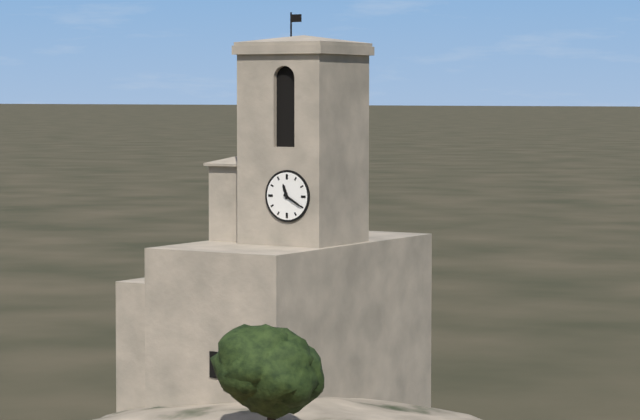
11 h 20 min
